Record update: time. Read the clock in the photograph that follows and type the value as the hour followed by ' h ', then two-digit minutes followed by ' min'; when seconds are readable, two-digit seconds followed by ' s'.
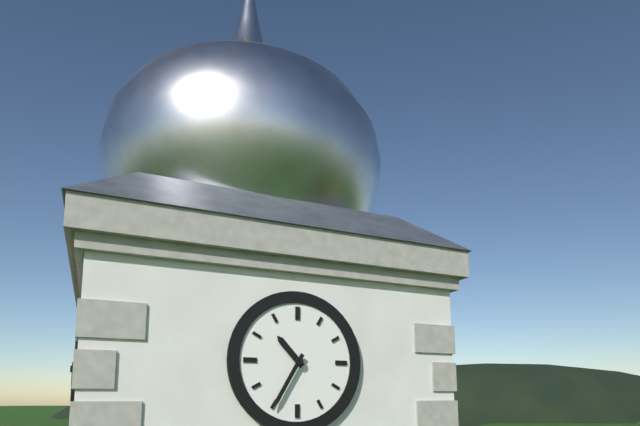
10 h 35 min
